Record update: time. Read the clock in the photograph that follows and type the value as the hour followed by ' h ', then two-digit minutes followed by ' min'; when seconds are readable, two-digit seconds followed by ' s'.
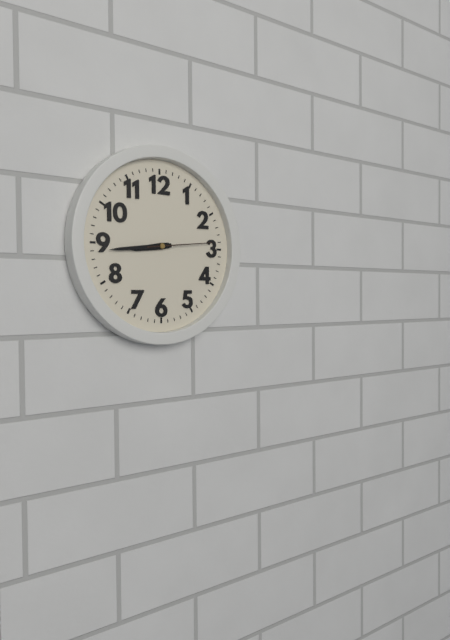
8 h 44 min 14 s
